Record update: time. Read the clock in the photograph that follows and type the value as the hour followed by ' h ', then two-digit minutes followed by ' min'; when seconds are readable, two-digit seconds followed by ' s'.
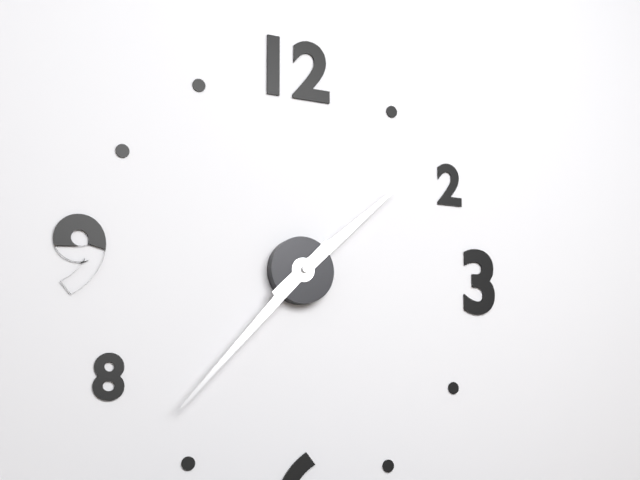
1 h 37 min
